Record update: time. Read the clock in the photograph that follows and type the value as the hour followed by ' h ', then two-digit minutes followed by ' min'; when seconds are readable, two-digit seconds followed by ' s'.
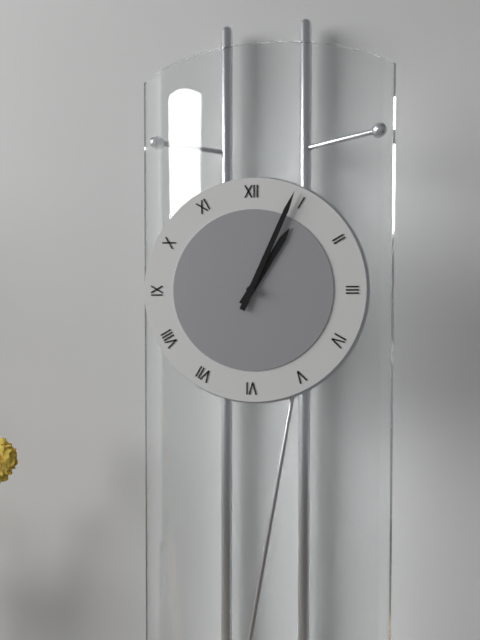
1 h 04 min
